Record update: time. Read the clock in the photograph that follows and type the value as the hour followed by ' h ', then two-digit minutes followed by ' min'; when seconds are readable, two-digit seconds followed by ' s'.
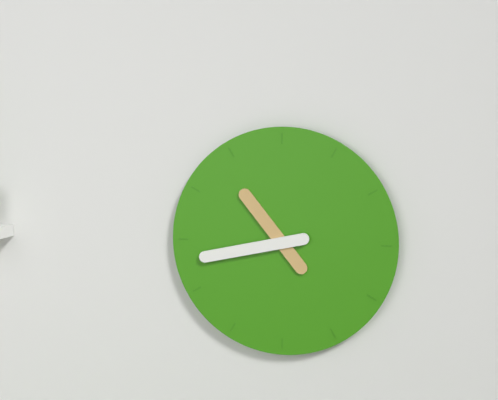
10 h 43 min
